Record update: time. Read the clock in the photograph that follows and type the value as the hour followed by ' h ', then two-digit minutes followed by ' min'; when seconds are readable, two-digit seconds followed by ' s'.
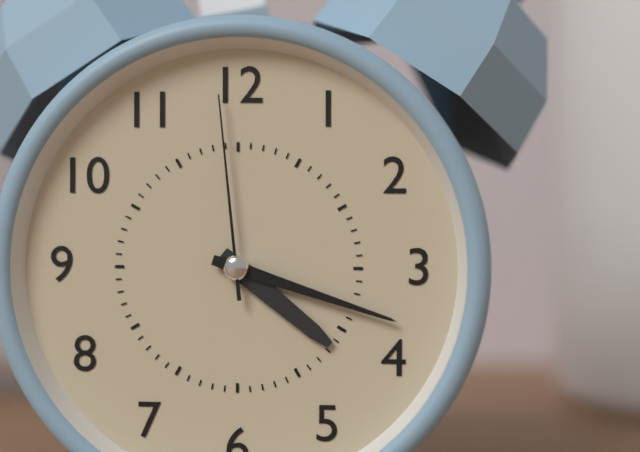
4 h 18 min 59 s
